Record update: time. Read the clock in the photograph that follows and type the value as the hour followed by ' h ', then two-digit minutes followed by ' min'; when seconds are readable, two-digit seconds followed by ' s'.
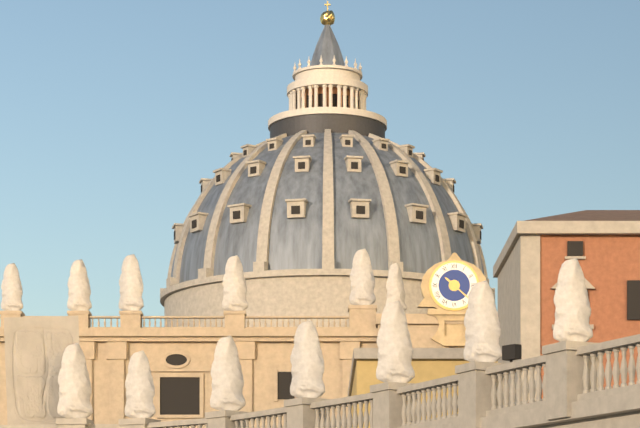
10 h 22 min
